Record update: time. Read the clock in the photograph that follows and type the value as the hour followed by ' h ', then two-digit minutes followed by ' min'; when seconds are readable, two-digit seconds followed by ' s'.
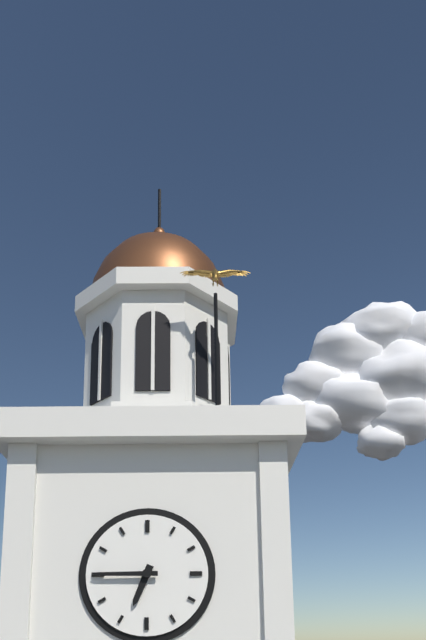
6 h 45 min
